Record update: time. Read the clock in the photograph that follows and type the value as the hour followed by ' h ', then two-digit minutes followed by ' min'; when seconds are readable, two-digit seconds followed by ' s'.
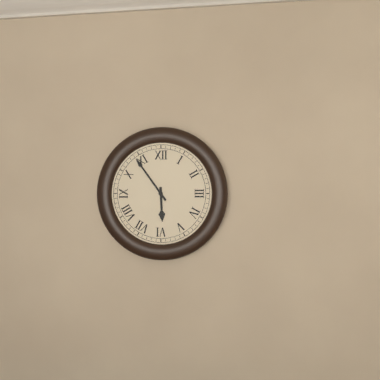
5 h 54 min
